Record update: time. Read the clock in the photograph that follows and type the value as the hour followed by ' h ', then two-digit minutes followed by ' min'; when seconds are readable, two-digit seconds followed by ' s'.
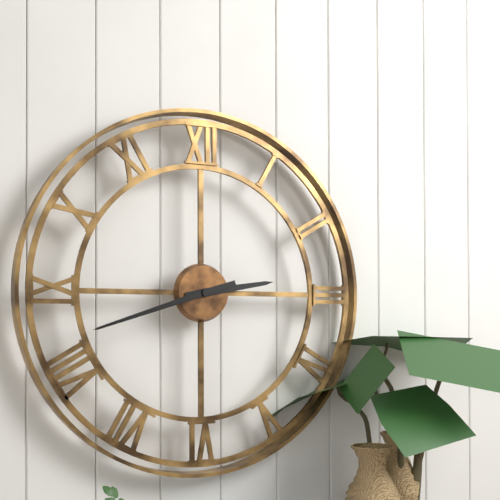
2 h 42 min
